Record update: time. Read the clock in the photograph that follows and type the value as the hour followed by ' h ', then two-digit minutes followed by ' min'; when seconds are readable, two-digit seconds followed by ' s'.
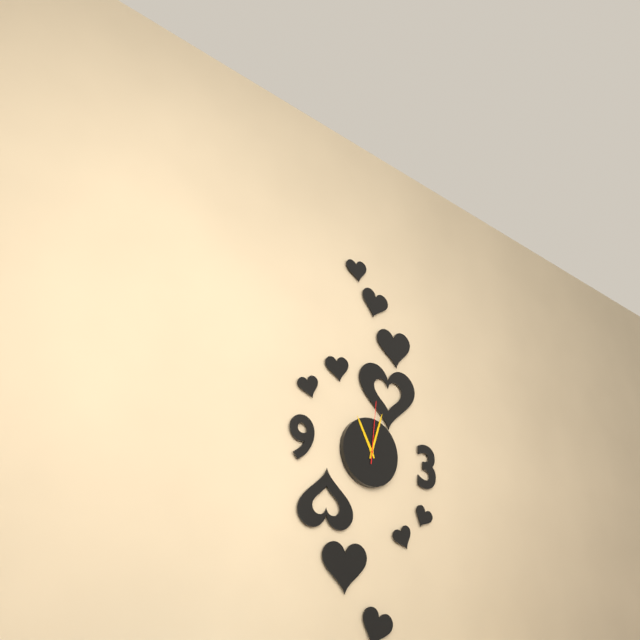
11 h 03 min 01 s
